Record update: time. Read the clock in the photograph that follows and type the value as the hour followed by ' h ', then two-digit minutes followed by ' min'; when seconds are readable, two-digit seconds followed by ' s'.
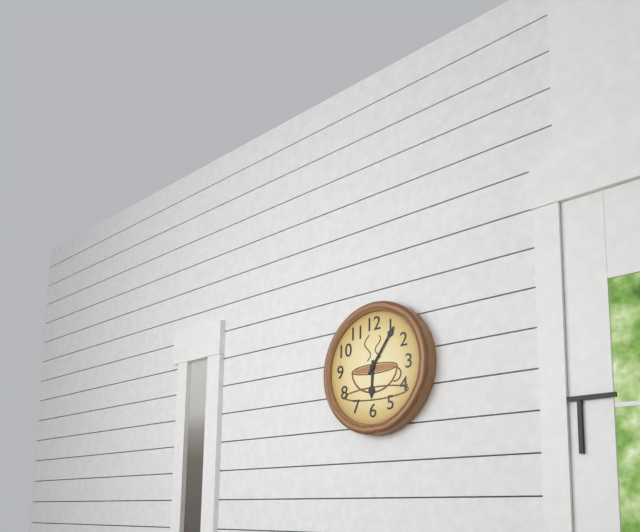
6 h 06 min
